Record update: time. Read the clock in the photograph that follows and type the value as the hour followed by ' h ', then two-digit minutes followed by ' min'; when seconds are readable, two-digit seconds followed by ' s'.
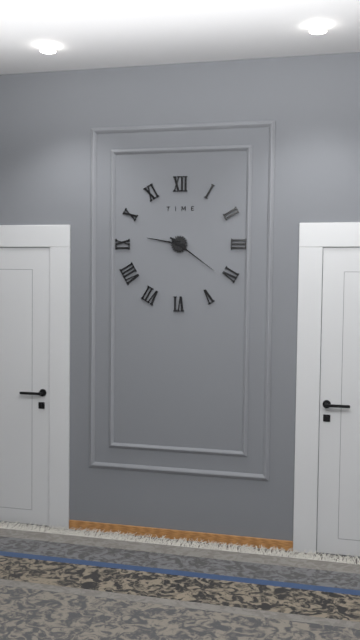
9 h 21 min
